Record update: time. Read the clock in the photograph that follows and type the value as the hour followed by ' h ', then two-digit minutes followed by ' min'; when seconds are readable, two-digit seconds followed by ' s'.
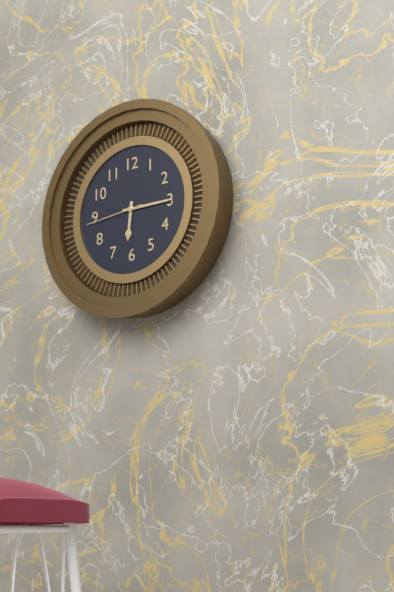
6 h 15 min 44 s
